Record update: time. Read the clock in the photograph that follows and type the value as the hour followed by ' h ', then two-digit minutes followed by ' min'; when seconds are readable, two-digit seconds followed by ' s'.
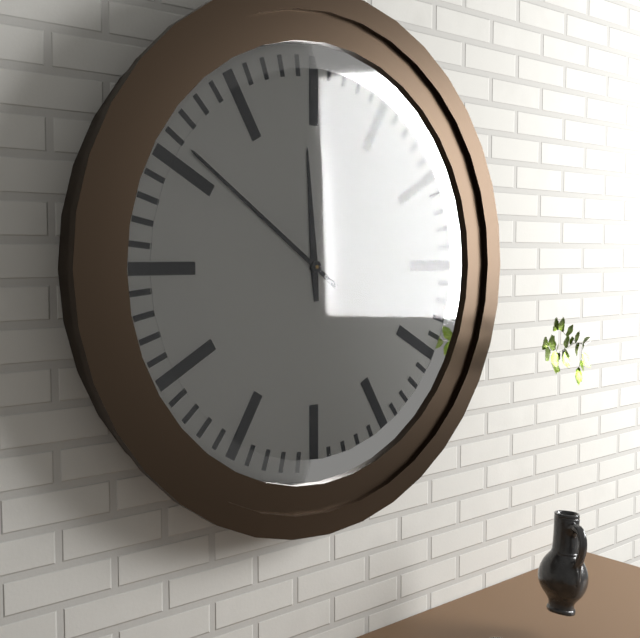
11 h 51 min
